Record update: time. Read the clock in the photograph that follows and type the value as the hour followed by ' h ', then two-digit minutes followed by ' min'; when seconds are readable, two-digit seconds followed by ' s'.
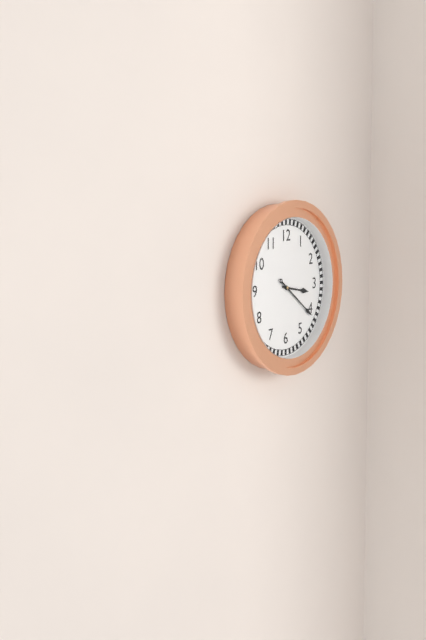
3 h 21 min
